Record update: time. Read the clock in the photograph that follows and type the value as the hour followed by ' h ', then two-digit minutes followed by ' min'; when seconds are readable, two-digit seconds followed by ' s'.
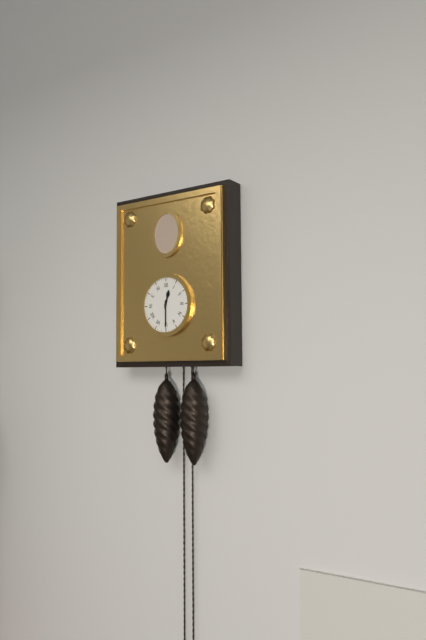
12 h 30 min
